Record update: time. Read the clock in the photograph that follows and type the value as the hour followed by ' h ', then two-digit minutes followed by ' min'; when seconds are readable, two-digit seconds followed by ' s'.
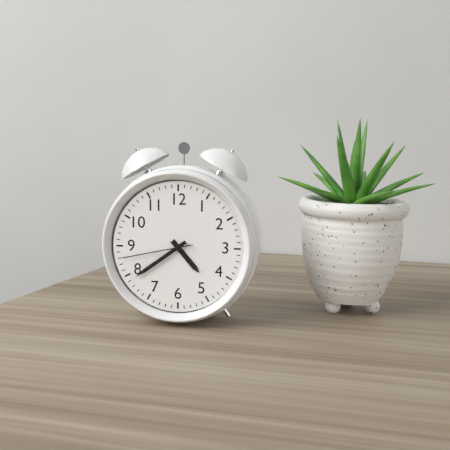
4 h 39 min 43 s
